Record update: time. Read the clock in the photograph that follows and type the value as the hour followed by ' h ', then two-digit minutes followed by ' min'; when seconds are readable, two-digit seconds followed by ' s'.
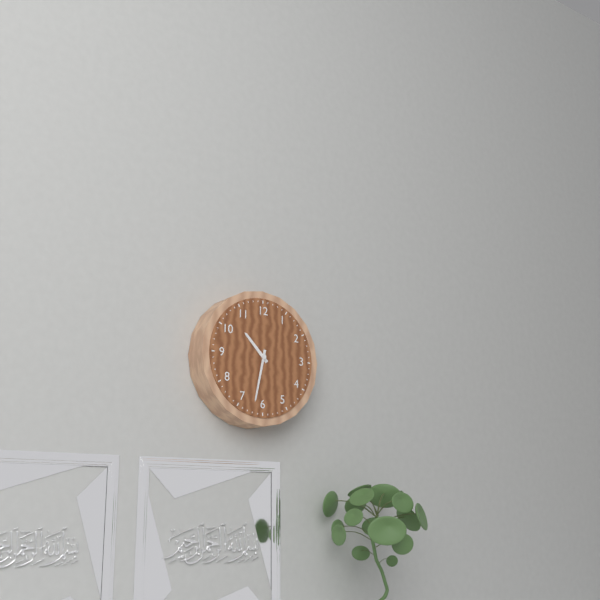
10 h 32 min
